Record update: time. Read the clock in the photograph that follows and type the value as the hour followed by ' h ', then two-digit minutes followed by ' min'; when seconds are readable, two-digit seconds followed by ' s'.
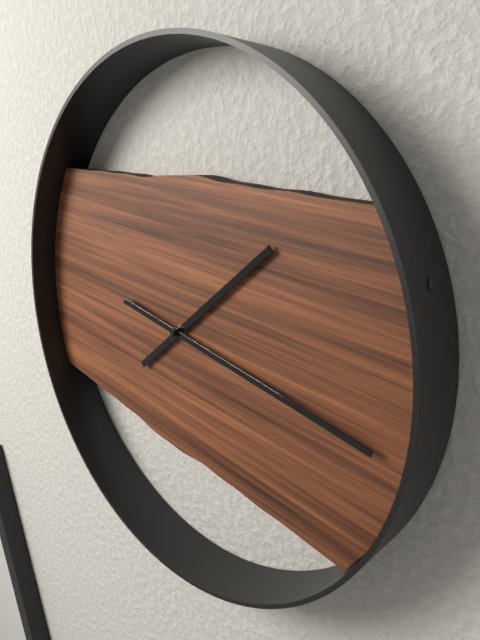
2 h 20 min
